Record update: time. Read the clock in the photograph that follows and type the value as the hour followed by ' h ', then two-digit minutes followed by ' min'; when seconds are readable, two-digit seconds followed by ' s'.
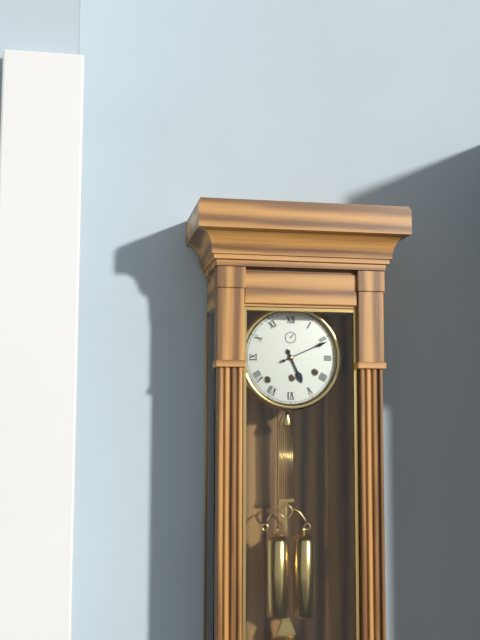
5 h 11 min
